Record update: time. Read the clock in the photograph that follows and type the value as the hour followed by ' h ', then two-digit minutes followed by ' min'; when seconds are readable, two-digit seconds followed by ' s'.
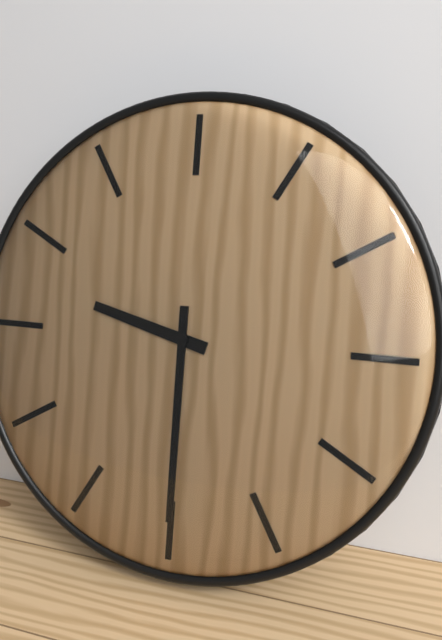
9 h 30 min
